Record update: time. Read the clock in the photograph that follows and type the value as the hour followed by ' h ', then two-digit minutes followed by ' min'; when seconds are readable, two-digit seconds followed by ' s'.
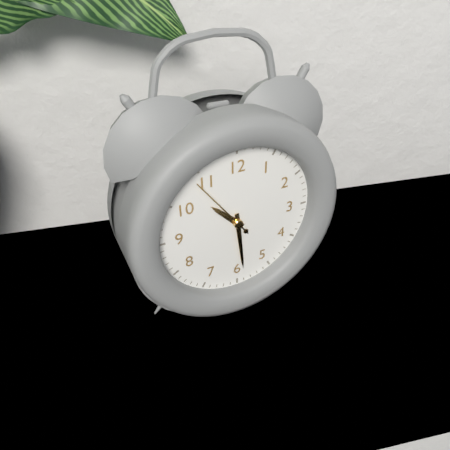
10 h 29 min 54 s
